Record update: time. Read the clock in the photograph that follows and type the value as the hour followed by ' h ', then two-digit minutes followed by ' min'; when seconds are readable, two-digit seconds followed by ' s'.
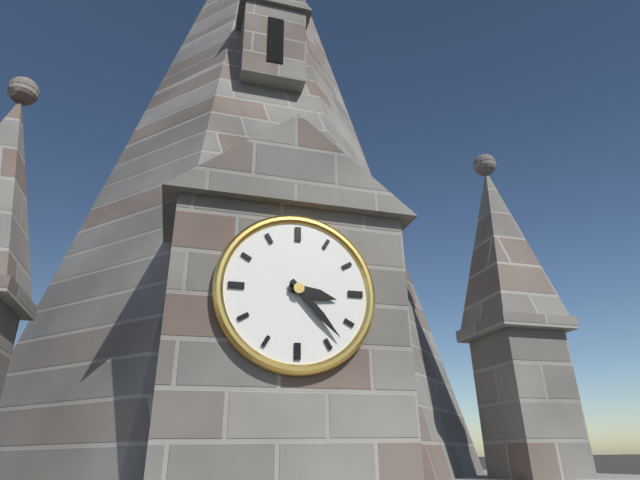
3 h 23 min
